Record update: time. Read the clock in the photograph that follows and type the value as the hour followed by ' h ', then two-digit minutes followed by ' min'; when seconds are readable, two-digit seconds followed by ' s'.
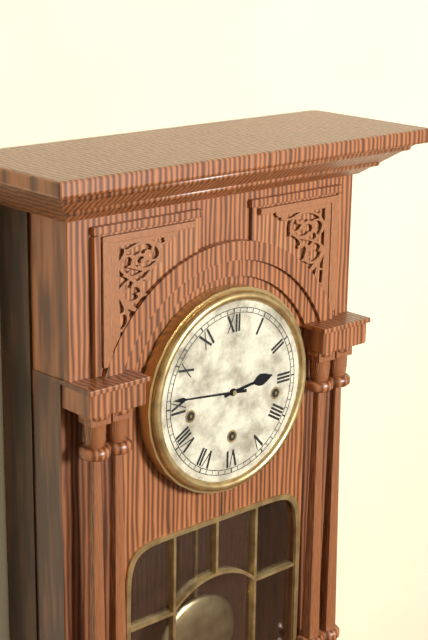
2 h 46 min
